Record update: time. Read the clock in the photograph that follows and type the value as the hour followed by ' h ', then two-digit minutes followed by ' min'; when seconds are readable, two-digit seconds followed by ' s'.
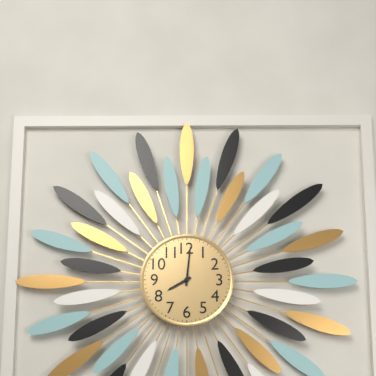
8 h 01 min
